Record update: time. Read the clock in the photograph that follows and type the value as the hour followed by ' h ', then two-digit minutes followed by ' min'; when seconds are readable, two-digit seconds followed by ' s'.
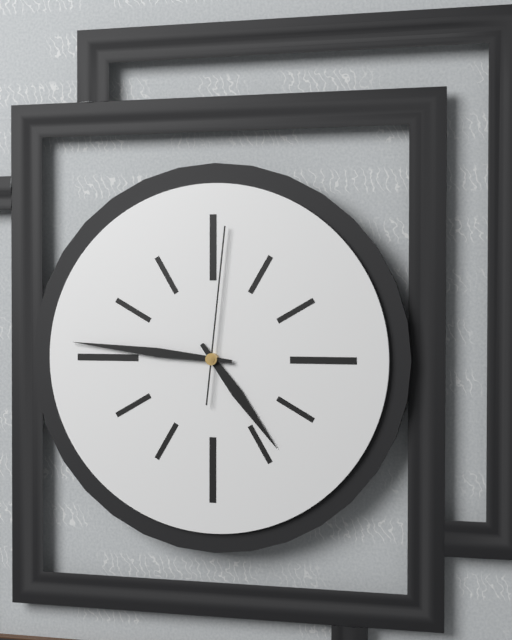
4 h 46 min 01 s
